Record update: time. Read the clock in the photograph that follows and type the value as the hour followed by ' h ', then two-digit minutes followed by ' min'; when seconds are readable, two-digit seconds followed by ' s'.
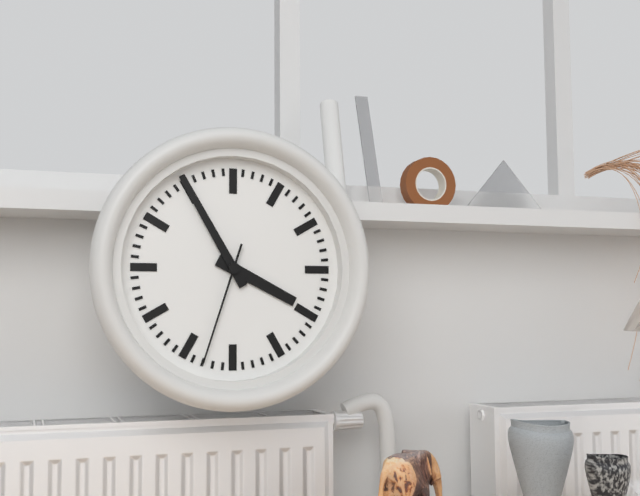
3 h 55 min 33 s
